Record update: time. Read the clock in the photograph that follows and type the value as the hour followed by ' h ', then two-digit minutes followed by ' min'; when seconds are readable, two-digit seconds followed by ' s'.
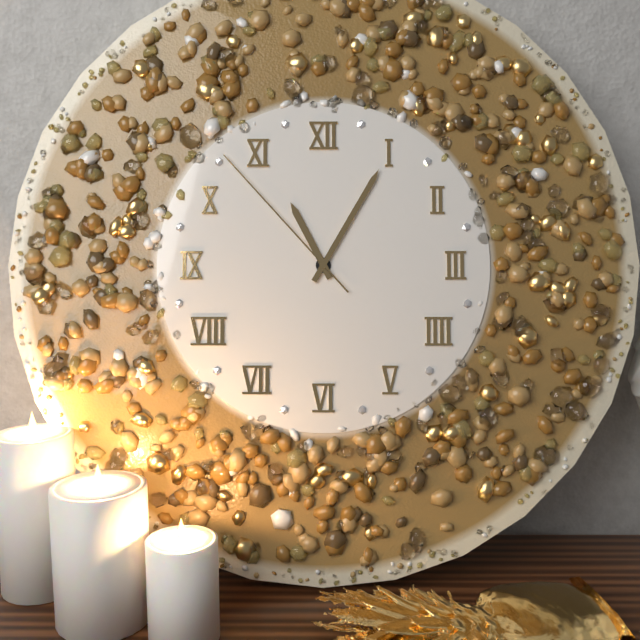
11 h 05 min 53 s
